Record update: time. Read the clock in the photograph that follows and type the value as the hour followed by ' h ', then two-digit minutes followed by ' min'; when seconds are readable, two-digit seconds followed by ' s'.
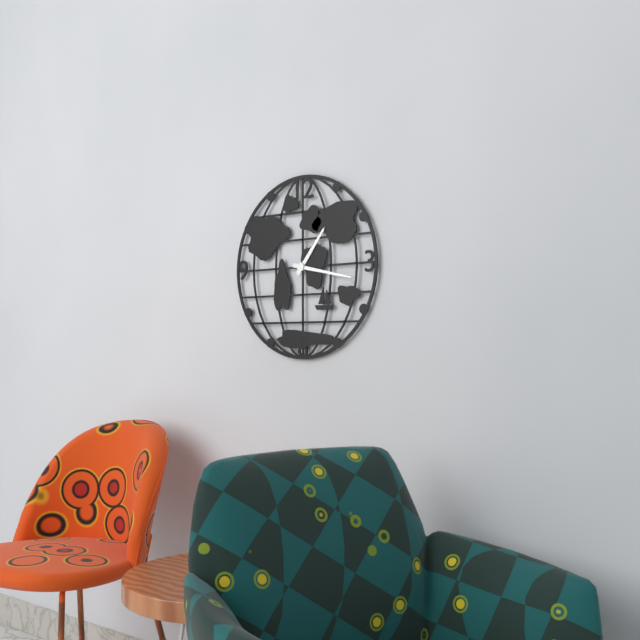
1 h 17 min
